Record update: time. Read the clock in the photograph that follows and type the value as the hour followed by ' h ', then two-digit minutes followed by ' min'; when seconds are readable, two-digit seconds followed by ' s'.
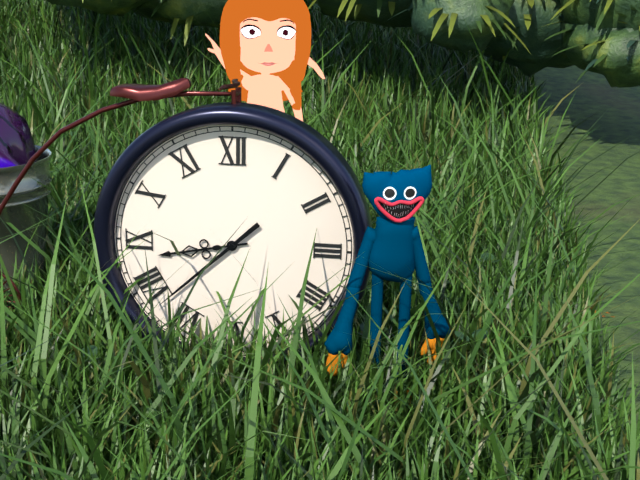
8 h 38 min
